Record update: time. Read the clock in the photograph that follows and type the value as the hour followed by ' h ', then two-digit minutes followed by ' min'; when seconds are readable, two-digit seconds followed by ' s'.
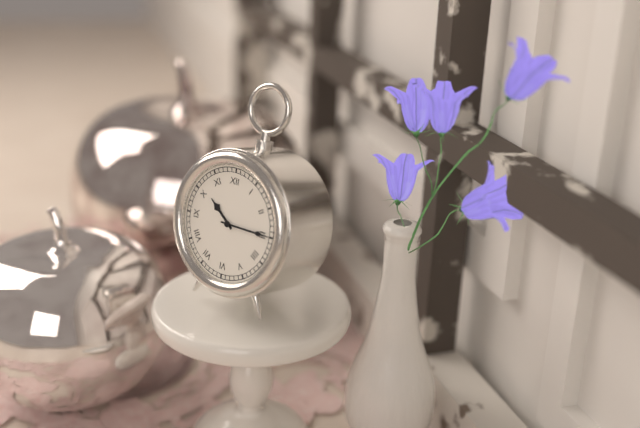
10 h 15 min
